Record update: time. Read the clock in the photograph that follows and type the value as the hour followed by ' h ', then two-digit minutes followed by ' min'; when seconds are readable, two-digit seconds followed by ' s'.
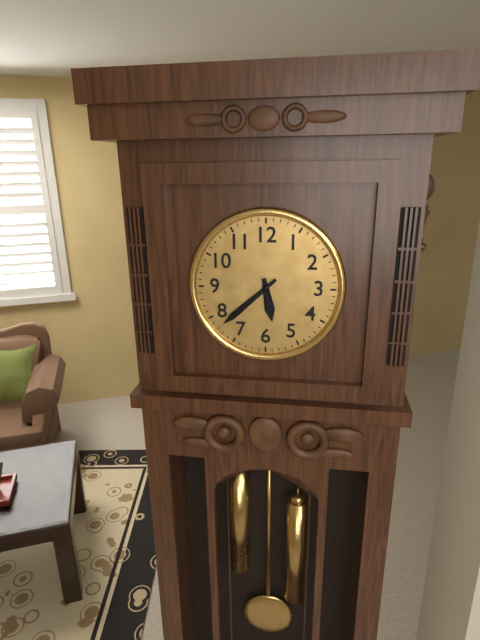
5 h 38 min
